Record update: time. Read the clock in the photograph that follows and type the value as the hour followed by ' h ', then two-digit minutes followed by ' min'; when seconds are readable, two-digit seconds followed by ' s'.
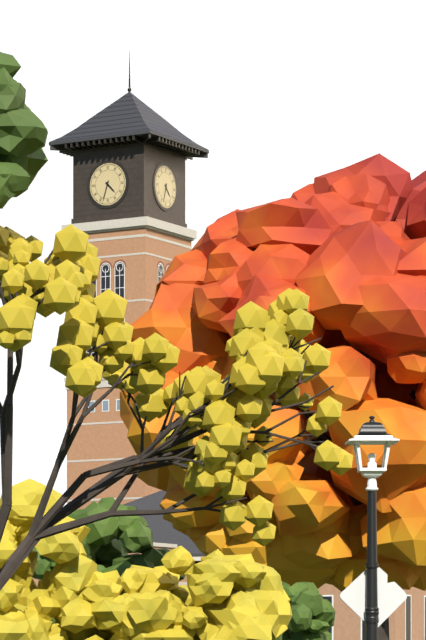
4 h 33 min
